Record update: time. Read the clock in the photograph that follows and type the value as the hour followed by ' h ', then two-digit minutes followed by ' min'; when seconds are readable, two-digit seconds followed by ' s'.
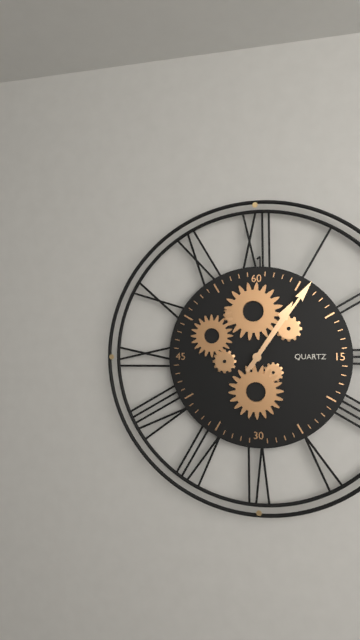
1 h 06 min
